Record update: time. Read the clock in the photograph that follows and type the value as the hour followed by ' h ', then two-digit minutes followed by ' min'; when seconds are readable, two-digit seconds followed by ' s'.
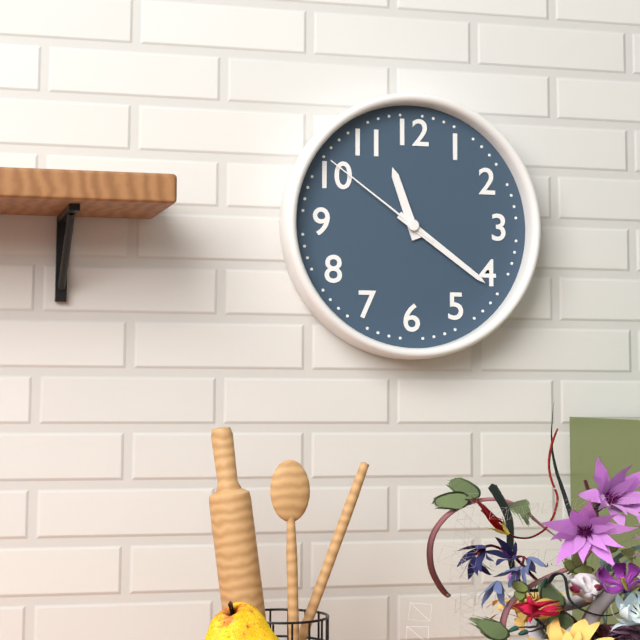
11 h 21 min 51 s
